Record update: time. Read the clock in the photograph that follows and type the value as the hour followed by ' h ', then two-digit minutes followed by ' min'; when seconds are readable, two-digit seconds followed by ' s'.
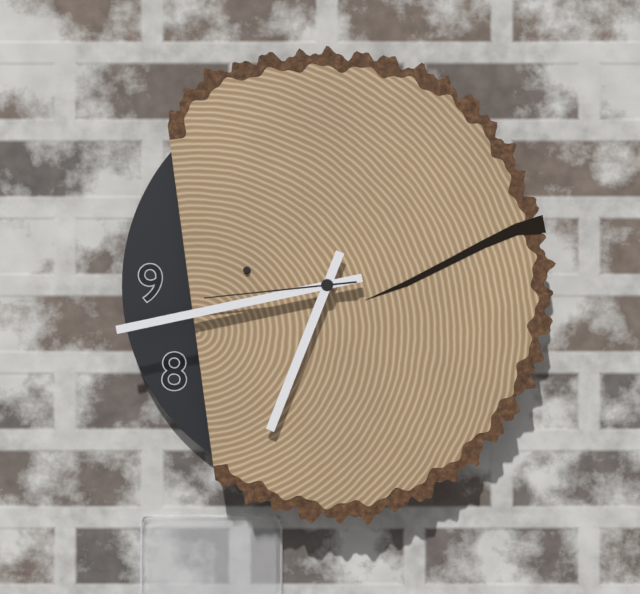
6 h 43 min 44 s
